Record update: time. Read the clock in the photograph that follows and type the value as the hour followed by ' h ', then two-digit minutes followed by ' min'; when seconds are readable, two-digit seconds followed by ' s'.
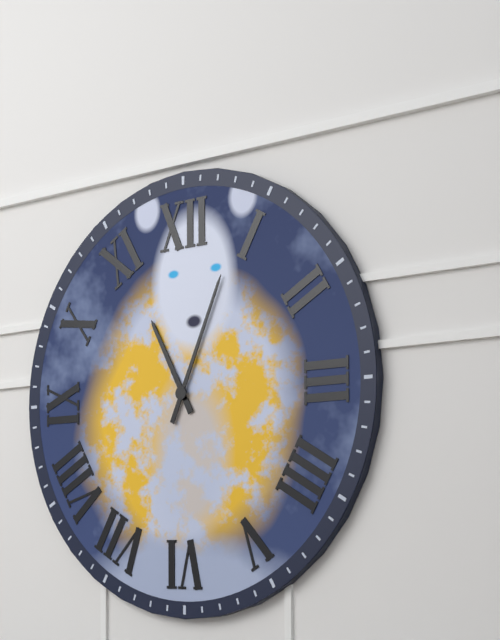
11 h 04 min
